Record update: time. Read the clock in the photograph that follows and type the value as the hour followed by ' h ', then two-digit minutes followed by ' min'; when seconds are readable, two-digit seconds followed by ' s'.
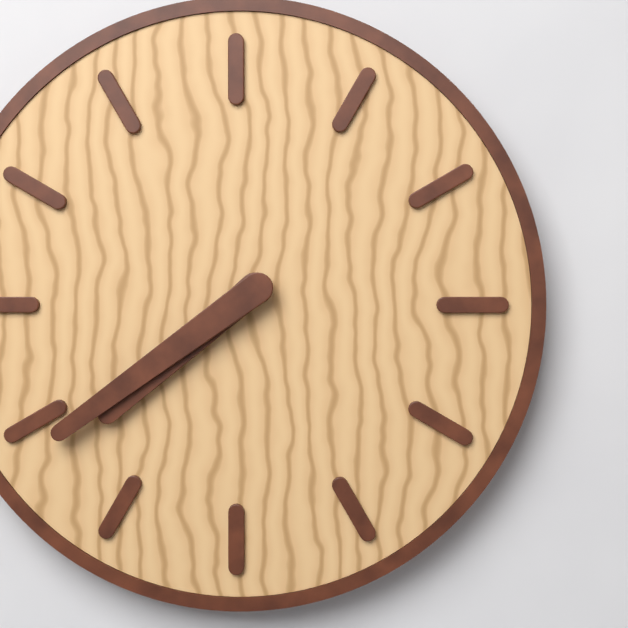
7 h 39 min
